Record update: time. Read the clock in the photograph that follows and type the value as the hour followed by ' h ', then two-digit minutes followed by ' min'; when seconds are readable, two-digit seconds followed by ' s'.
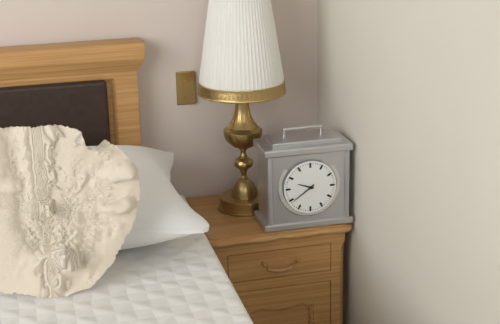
9 h 39 min
